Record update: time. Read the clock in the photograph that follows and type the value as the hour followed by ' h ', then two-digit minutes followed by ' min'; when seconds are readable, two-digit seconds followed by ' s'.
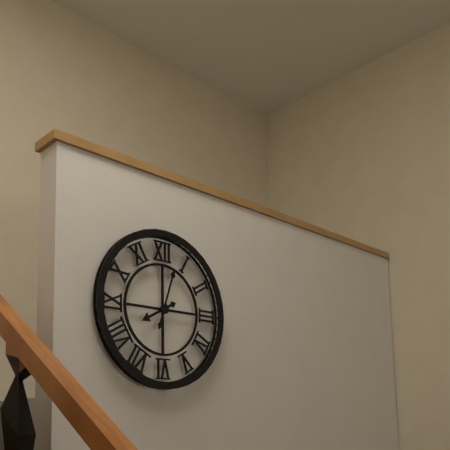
8 h 03 min
